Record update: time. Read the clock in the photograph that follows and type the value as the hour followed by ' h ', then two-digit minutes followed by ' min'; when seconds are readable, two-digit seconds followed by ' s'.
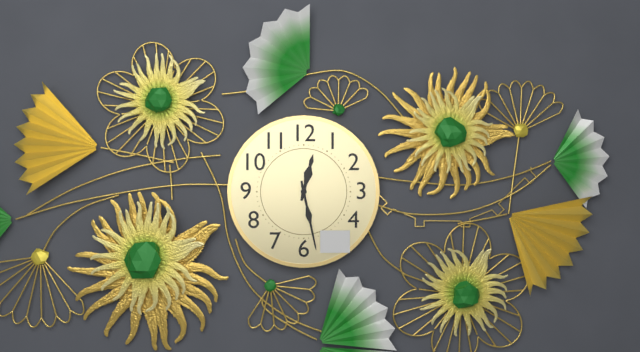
12 h 28 min
